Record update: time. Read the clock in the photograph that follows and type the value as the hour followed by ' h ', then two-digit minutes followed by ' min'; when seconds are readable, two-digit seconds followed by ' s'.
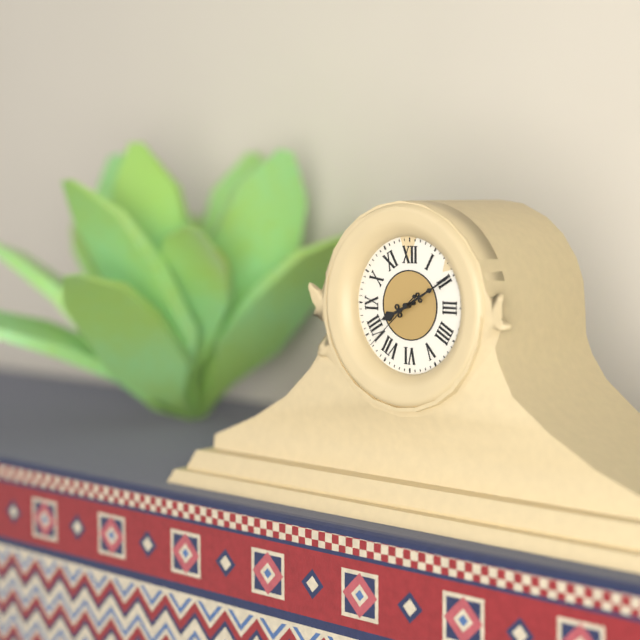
8 h 10 min 38 s
